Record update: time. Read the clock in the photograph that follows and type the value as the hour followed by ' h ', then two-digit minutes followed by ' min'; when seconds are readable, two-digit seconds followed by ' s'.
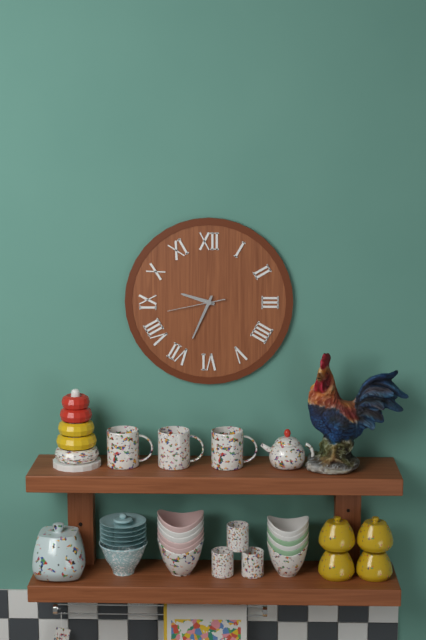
9 h 34 min 43 s
